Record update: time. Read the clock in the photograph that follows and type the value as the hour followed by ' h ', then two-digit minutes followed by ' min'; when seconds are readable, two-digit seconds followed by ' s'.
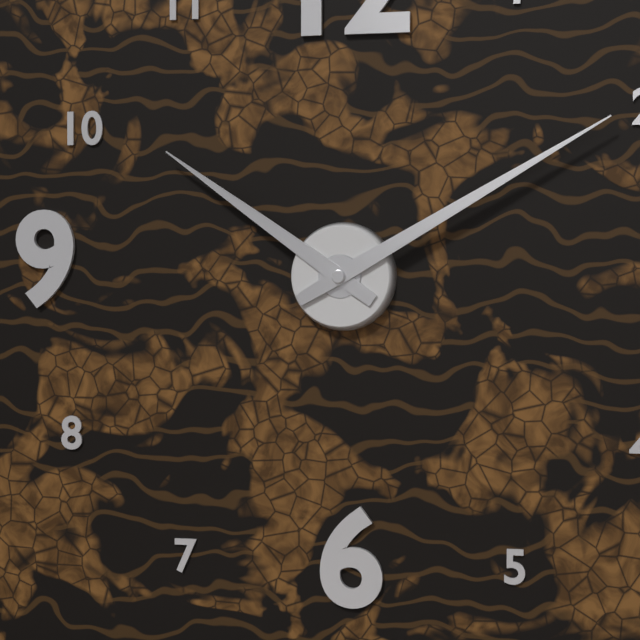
10 h 10 min
